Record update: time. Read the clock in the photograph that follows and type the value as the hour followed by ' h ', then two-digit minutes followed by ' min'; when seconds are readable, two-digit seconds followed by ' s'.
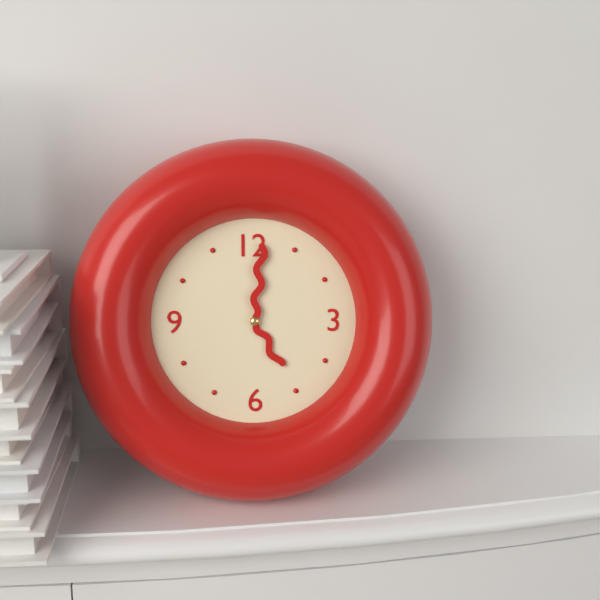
5 h 01 min
